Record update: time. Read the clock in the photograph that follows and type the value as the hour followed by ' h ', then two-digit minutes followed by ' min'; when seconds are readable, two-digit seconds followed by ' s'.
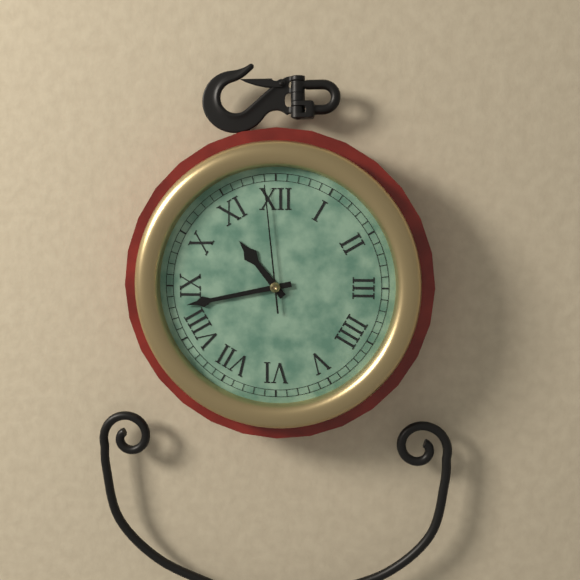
10 h 43 min 59 s
